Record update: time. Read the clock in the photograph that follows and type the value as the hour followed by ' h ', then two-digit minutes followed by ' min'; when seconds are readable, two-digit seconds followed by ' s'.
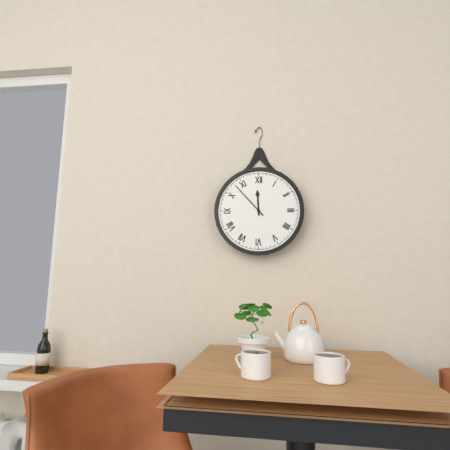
11 h 53 min
